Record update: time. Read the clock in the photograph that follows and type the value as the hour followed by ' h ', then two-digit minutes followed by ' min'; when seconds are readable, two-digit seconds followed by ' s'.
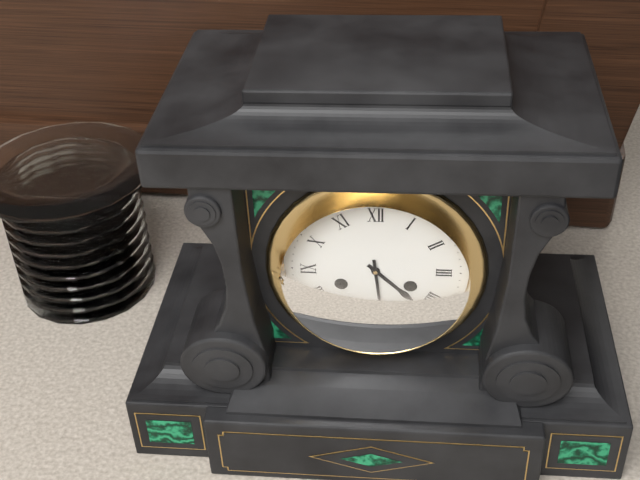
4 h 29 min
